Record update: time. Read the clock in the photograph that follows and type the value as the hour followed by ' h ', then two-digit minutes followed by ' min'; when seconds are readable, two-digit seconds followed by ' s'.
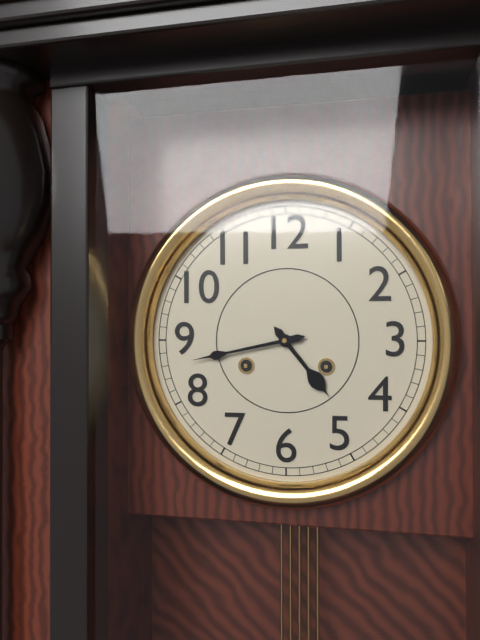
4 h 43 min
